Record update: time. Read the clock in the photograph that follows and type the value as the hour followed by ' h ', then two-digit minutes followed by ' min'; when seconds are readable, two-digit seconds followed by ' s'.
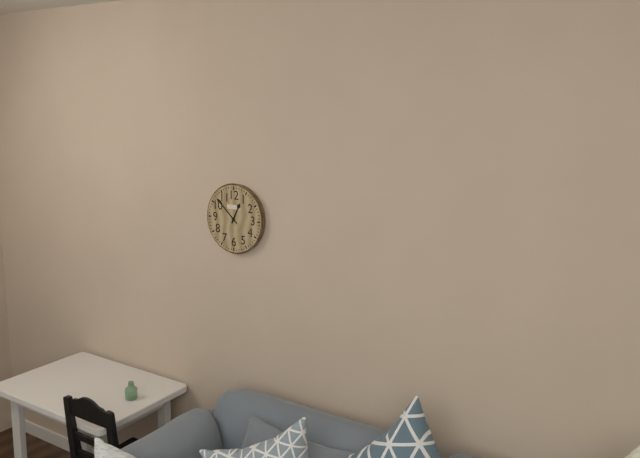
12 h 52 min
